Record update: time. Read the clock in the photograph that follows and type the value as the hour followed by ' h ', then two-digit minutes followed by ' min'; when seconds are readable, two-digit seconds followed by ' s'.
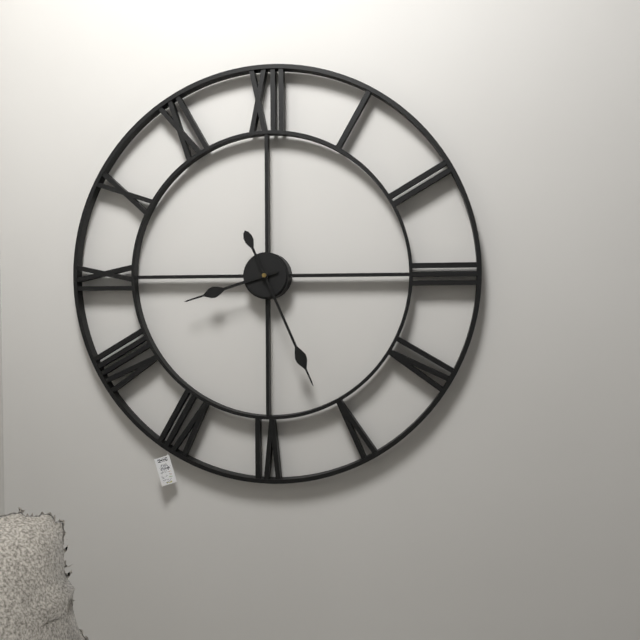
8 h 26 min
